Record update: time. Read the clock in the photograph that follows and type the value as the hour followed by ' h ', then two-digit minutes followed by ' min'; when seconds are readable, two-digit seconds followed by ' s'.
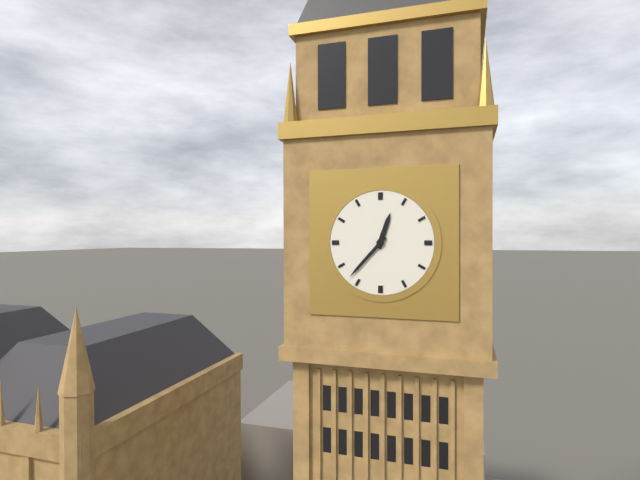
12 h 37 min
